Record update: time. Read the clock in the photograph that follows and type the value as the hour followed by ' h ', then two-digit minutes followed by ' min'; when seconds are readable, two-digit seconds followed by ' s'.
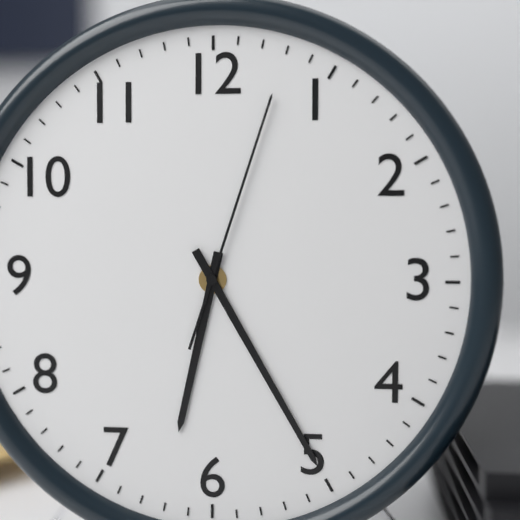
6 h 25 min 03 s
